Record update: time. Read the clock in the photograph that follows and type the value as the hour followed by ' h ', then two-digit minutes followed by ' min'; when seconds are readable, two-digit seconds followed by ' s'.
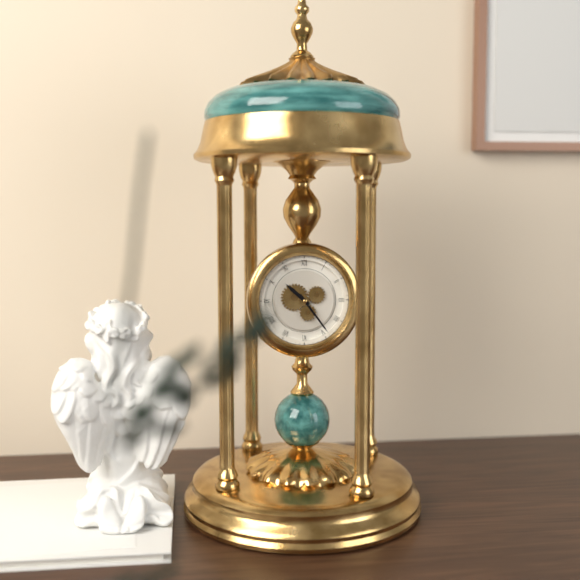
10 h 24 min
